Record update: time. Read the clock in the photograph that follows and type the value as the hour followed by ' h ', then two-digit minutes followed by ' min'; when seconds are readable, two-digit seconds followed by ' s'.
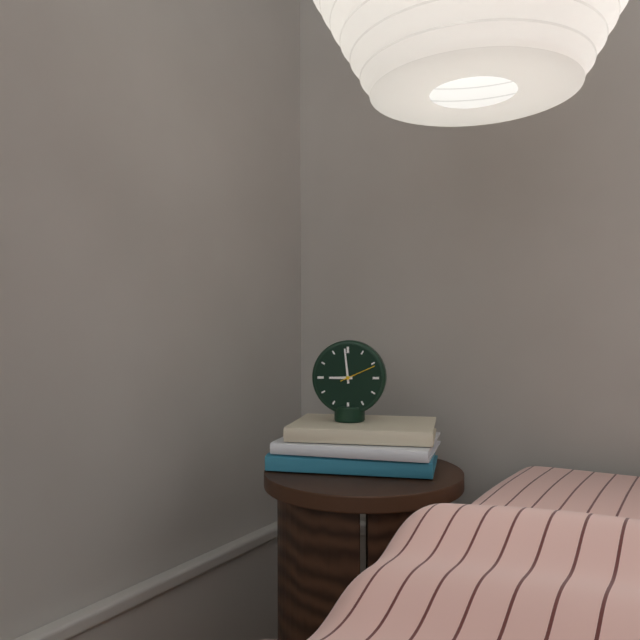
8 h 59 min
